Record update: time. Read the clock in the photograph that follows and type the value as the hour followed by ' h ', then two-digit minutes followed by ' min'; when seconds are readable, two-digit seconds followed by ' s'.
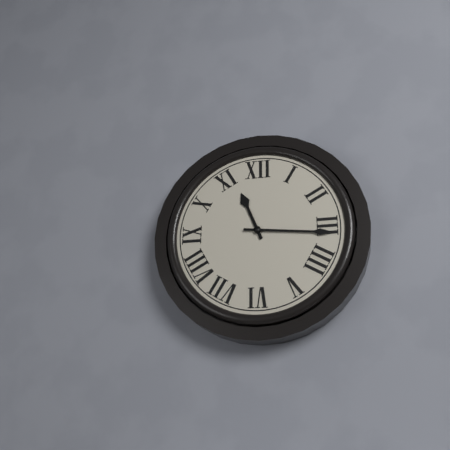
11 h 16 min
